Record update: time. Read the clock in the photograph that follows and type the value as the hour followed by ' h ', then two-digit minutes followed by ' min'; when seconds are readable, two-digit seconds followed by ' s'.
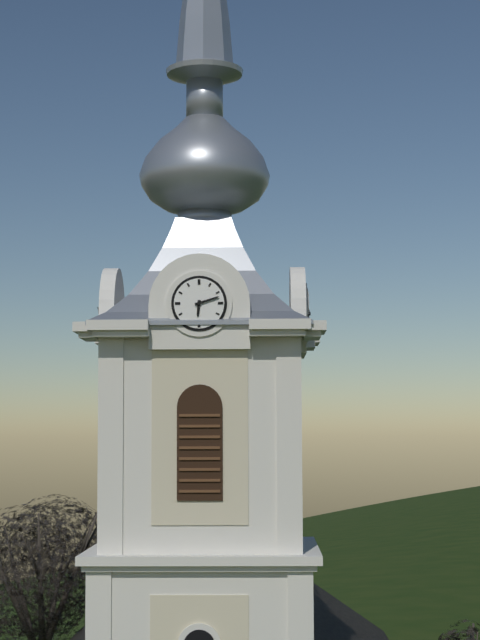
6 h 12 min
